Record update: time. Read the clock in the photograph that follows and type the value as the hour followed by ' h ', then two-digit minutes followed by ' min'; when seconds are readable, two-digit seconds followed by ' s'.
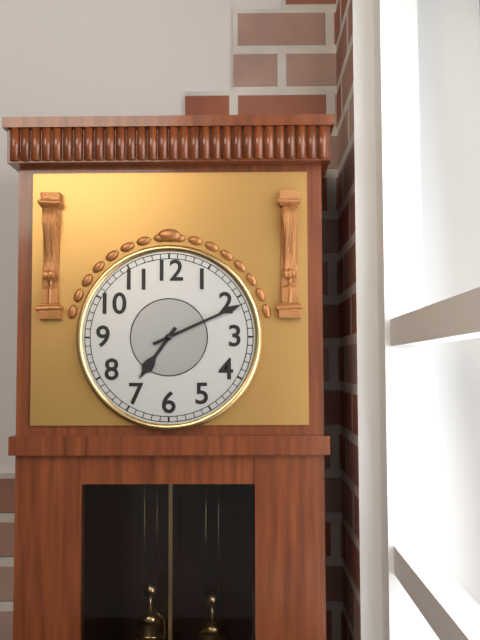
7 h 11 min
